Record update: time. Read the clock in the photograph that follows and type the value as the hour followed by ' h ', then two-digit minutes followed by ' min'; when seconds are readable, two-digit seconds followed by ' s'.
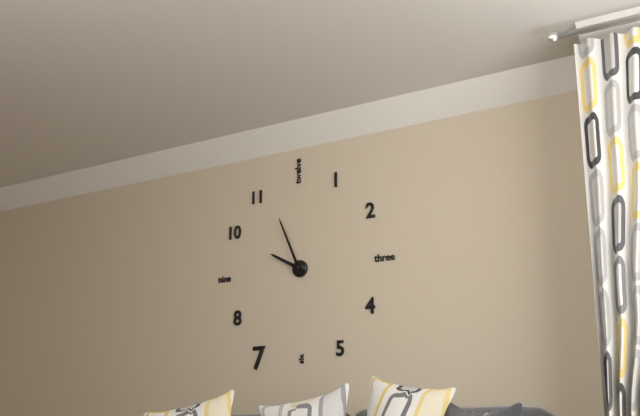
9 h 56 min
